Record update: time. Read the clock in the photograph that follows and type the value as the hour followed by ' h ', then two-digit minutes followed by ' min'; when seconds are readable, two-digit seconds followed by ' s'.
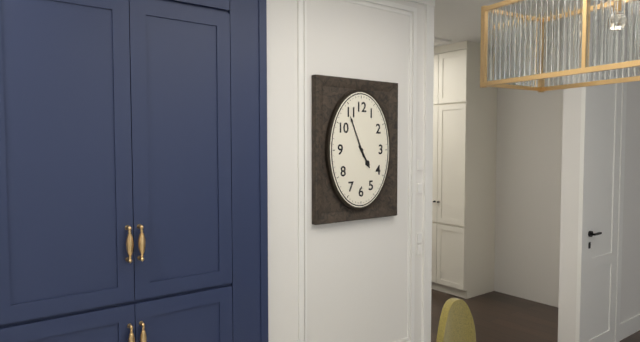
4 h 56 min
